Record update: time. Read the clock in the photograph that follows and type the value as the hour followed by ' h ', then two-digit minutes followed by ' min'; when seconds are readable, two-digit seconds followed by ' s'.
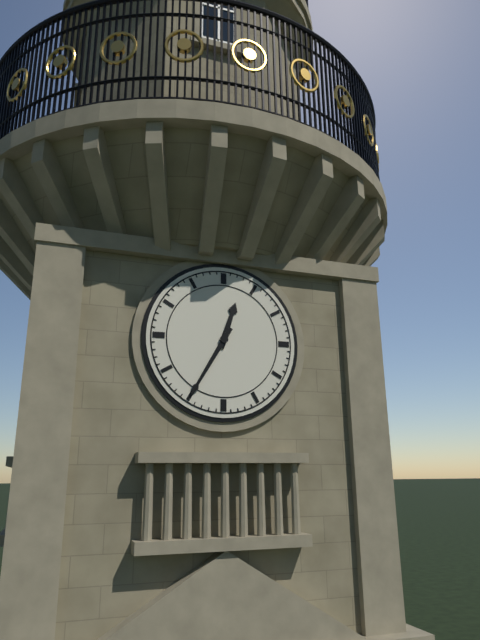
12 h 35 min
